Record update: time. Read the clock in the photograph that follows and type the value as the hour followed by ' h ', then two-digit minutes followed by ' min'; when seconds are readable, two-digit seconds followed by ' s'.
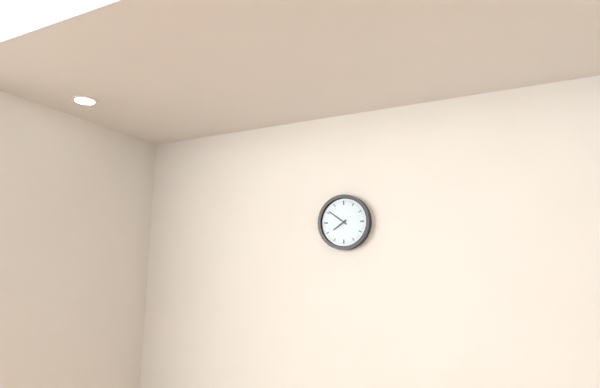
7 h 51 min
